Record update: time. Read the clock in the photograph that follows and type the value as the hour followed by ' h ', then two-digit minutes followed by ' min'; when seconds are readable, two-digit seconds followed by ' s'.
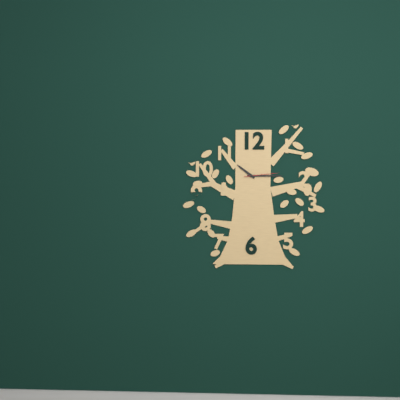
10 h 15 min
